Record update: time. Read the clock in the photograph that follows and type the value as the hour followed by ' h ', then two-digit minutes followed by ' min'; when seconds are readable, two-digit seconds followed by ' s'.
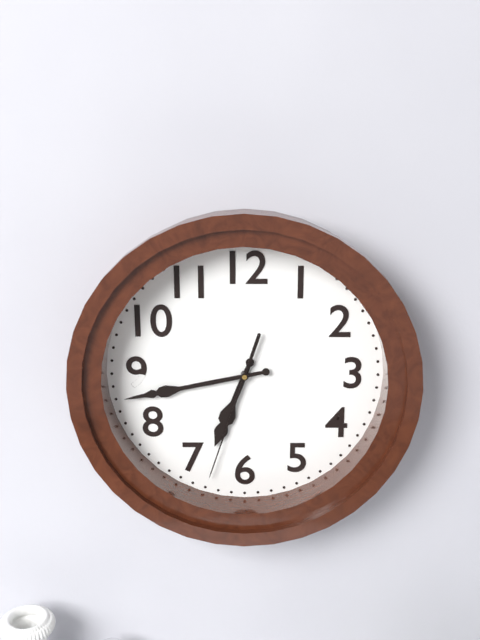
6 h 43 min 33 s
